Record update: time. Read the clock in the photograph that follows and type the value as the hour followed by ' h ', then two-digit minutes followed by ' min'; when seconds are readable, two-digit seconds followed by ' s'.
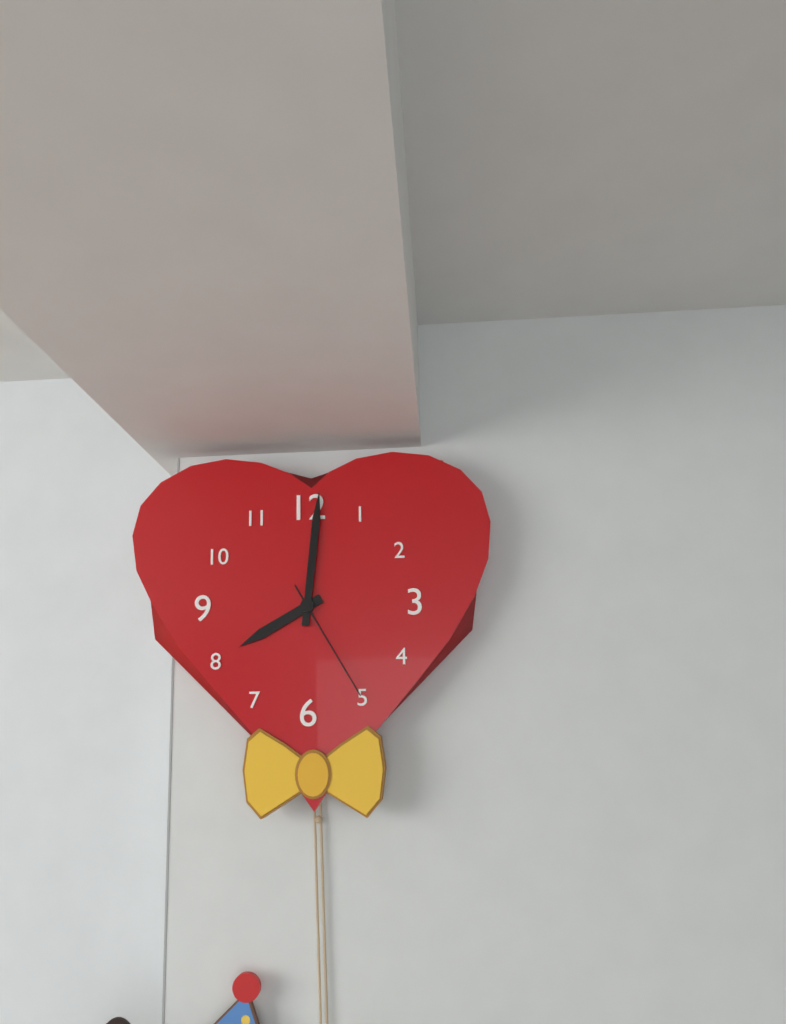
8 h 01 min 25 s
